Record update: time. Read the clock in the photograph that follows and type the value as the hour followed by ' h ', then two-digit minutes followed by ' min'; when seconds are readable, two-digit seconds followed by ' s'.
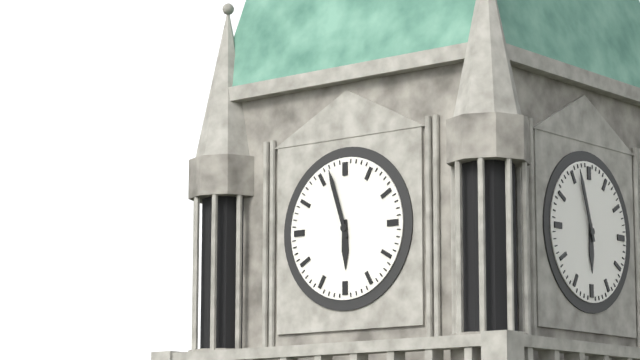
5 h 57 min
